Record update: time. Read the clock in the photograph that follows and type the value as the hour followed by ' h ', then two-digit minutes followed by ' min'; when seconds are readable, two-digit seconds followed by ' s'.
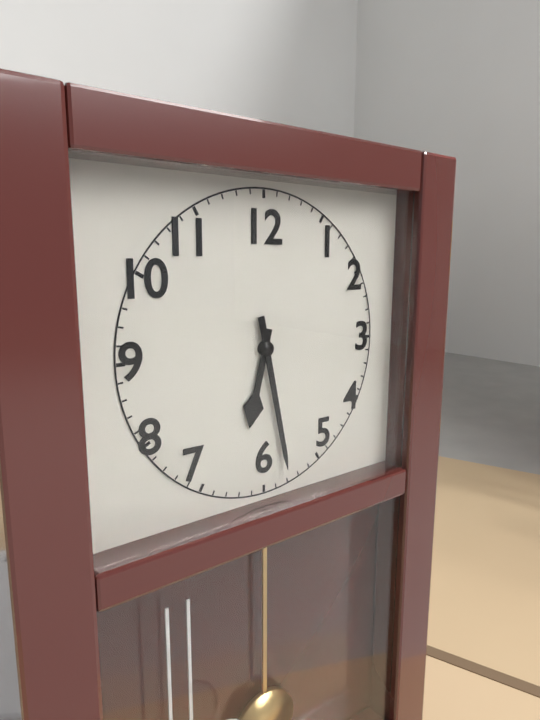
6 h 28 min
